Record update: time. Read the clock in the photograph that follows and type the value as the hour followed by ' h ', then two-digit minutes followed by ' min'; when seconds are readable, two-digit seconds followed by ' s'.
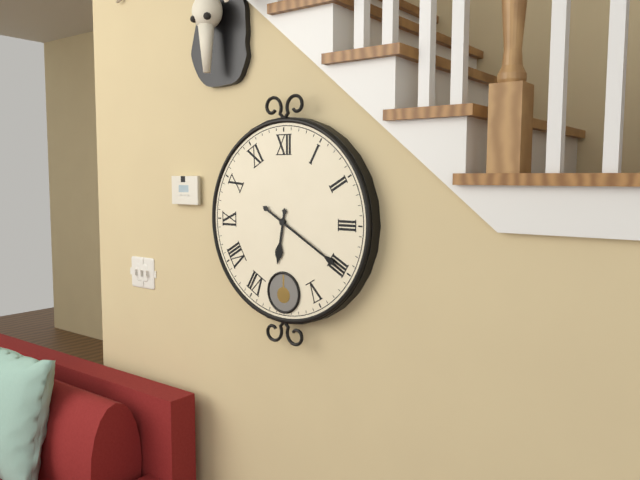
6 h 20 min
